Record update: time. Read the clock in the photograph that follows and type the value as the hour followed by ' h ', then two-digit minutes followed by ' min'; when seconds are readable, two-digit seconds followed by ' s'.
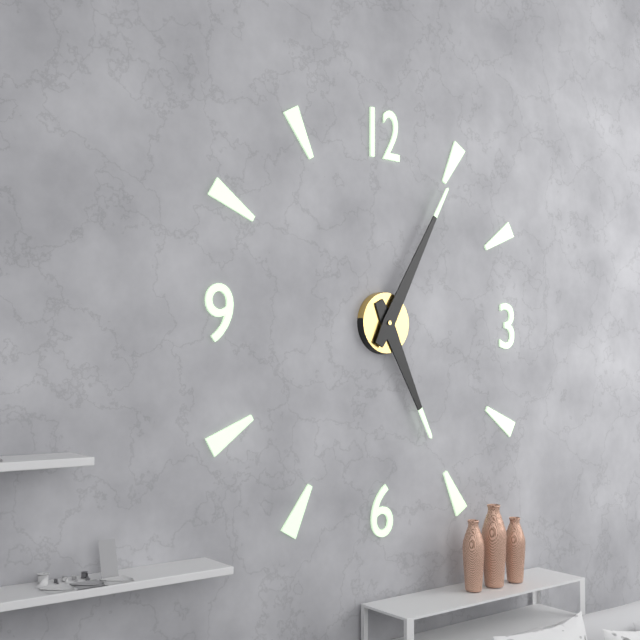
5 h 05 min
